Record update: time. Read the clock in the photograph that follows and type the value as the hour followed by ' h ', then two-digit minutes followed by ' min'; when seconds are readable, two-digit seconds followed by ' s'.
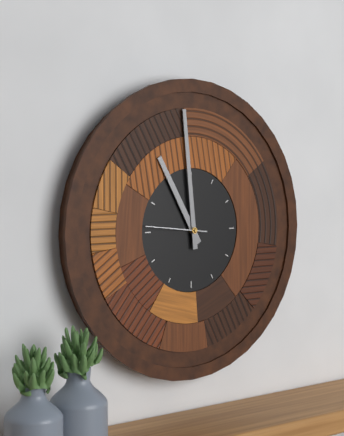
10 h 59 min 46 s
